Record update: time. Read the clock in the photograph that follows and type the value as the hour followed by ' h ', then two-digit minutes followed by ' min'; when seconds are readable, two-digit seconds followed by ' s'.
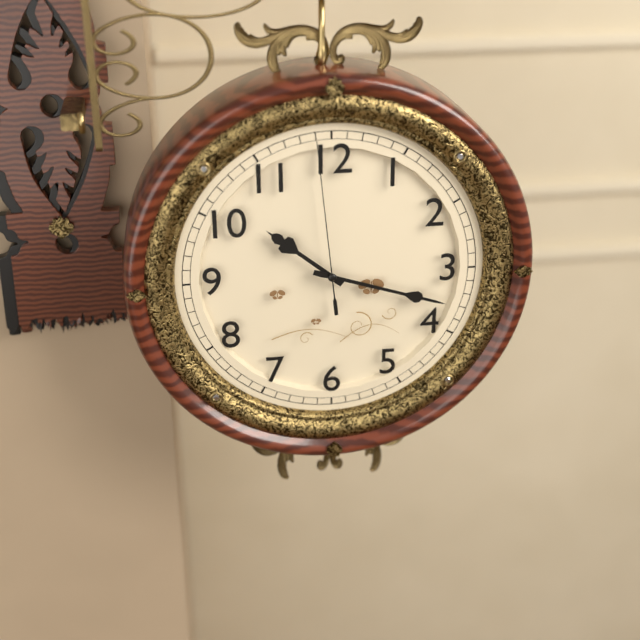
10 h 18 min 59 s
